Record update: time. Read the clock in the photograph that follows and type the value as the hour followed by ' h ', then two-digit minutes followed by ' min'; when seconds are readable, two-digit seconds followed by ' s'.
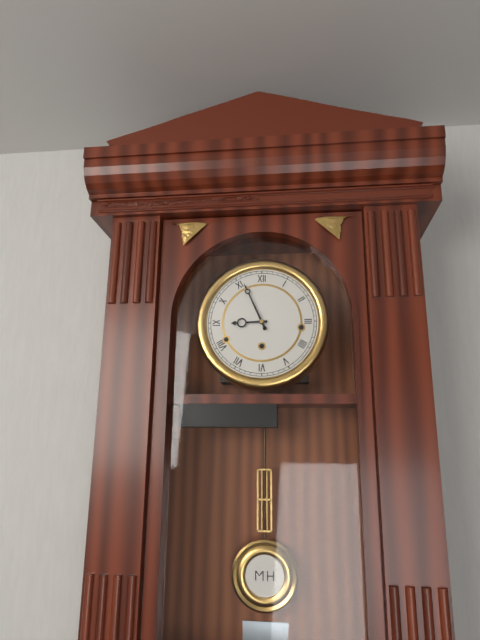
8 h 56 min
